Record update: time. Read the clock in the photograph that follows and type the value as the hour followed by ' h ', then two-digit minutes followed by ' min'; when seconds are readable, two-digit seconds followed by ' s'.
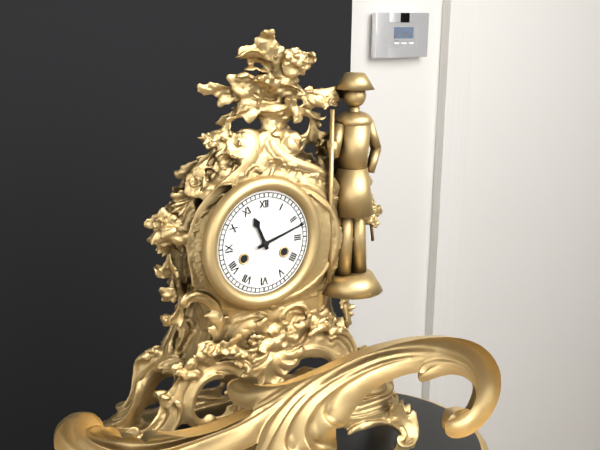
11 h 12 min
